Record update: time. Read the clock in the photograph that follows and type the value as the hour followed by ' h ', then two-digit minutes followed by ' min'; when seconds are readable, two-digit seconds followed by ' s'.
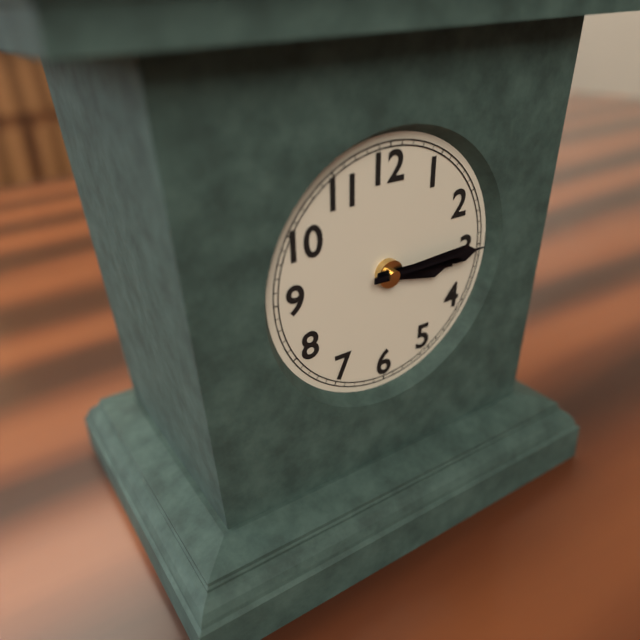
3 h 15 min
